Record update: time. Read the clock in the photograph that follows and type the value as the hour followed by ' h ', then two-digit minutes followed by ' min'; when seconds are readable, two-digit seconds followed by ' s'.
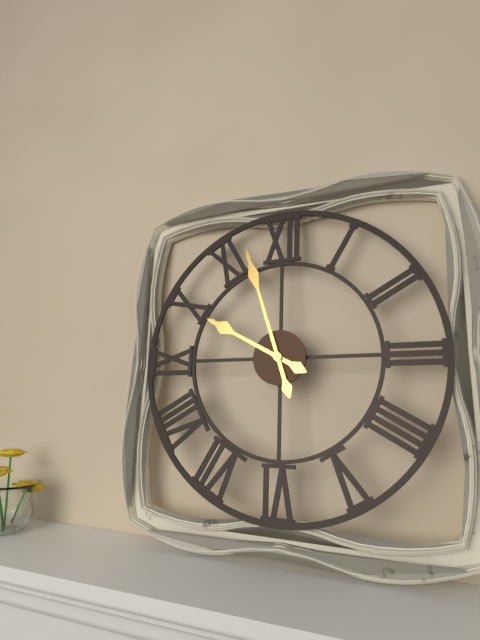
9 h 57 min
